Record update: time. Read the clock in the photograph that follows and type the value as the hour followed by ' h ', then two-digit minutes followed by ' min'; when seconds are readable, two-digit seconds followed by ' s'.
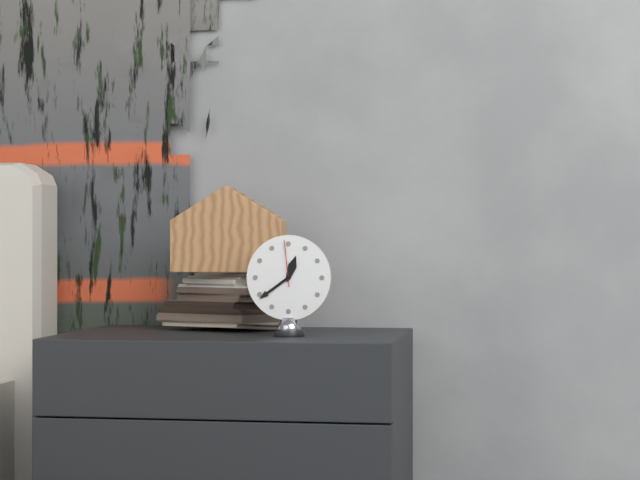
12 h 39 min
